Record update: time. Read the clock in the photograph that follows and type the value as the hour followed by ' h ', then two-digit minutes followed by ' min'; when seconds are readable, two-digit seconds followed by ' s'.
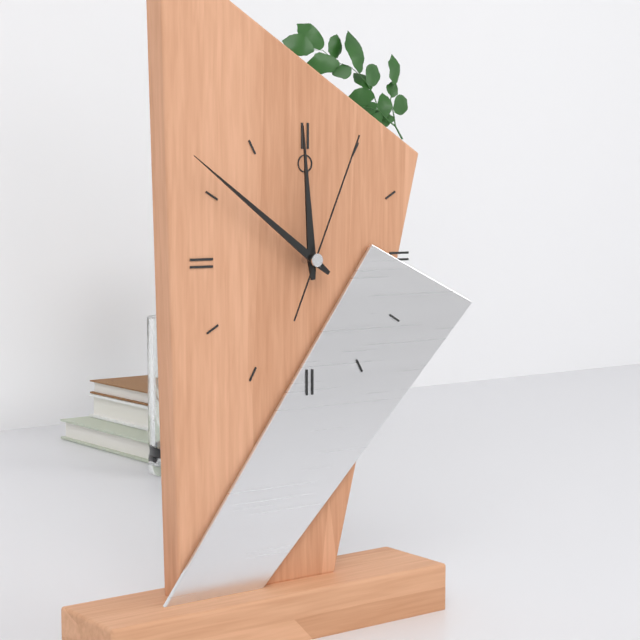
11 h 51 min 04 s
